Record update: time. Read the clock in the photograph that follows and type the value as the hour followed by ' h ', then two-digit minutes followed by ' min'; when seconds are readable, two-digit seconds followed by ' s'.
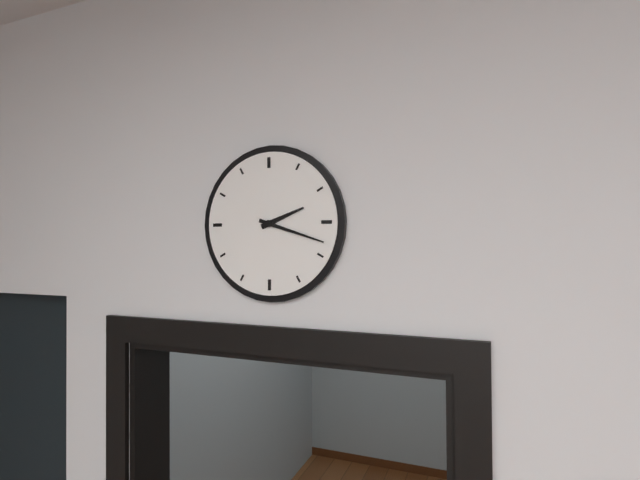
2 h 18 min
